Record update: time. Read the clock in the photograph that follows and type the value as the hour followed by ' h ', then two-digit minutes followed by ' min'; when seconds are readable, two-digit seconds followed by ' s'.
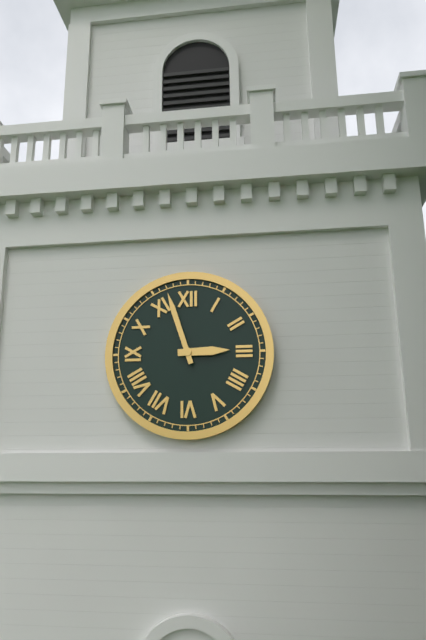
2 h 57 min
